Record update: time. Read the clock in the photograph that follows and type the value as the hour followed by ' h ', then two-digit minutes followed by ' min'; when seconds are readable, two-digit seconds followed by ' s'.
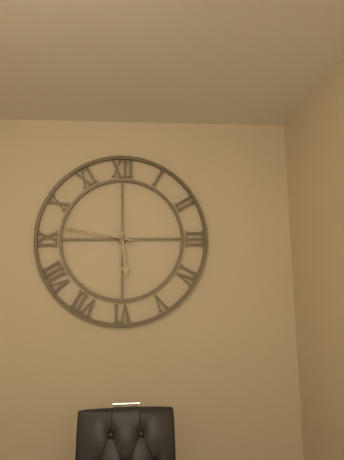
5 h 47 min
